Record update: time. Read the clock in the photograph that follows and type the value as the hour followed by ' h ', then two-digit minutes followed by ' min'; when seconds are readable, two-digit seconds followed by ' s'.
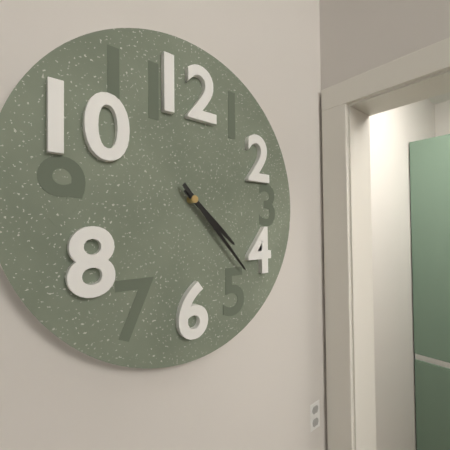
4 h 23 min
